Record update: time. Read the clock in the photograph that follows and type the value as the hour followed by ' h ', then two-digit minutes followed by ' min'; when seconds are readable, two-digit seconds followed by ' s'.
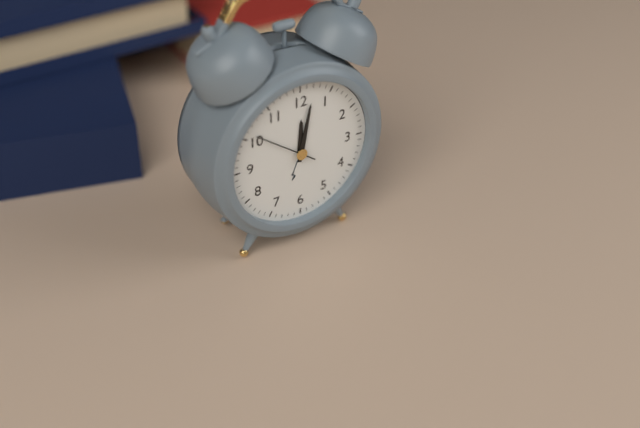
12 h 02 min 51 s
